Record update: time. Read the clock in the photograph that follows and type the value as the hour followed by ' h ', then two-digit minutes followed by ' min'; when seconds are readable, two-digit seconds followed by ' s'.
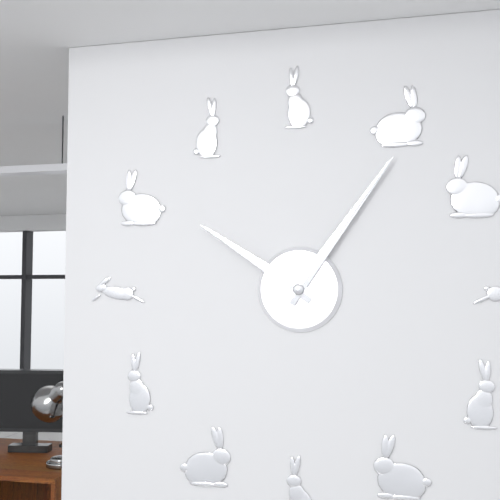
10 h 06 min
